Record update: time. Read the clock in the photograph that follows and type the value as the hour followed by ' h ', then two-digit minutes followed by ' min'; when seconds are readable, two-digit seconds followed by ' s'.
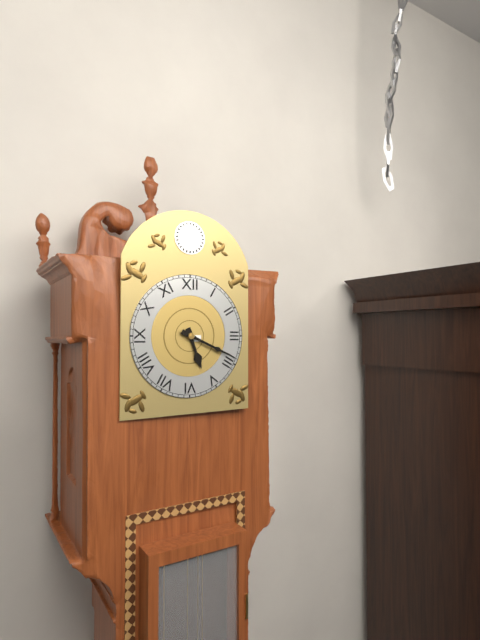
5 h 19 min
